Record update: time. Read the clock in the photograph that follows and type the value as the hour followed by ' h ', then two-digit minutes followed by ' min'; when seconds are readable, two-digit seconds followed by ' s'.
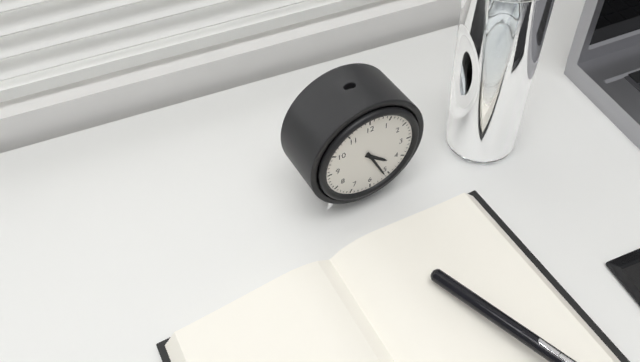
4 h 26 min
